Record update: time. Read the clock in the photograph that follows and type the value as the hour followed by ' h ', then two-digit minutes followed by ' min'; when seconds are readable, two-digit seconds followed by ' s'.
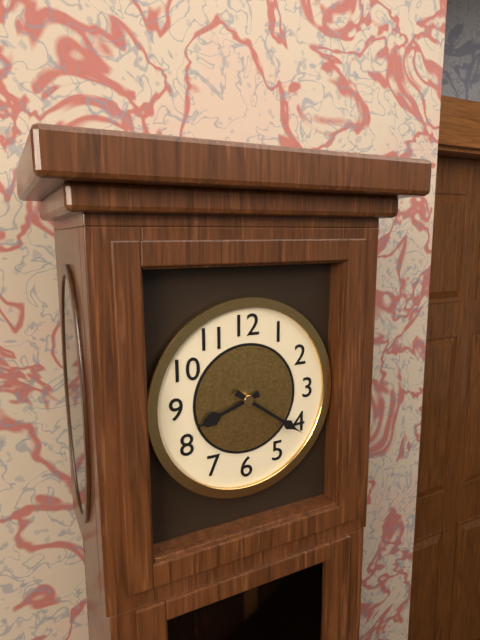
8 h 21 min
